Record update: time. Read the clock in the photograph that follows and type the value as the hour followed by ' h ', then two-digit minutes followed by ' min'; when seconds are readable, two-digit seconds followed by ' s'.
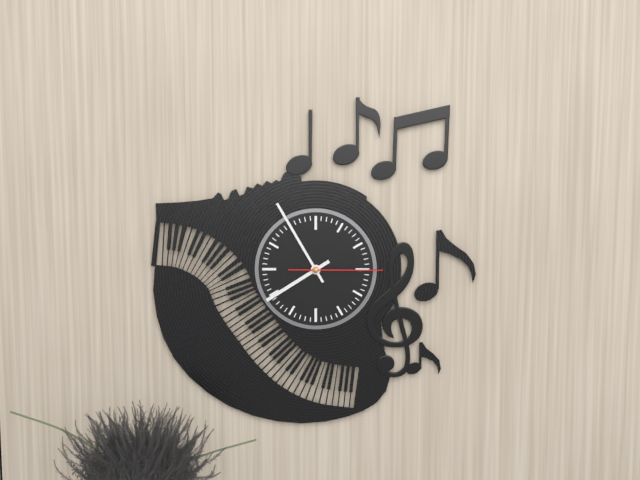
7 h 55 min 15 s
